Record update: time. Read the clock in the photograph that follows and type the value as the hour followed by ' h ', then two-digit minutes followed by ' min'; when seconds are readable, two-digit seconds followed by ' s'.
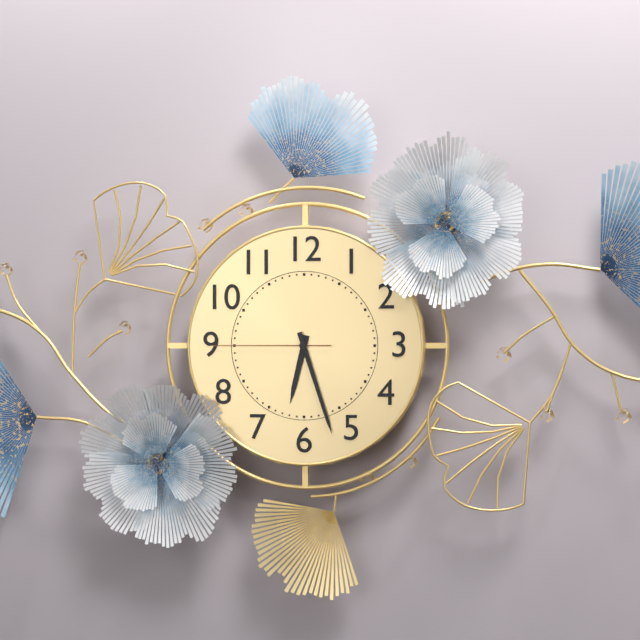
6 h 27 min 45 s
